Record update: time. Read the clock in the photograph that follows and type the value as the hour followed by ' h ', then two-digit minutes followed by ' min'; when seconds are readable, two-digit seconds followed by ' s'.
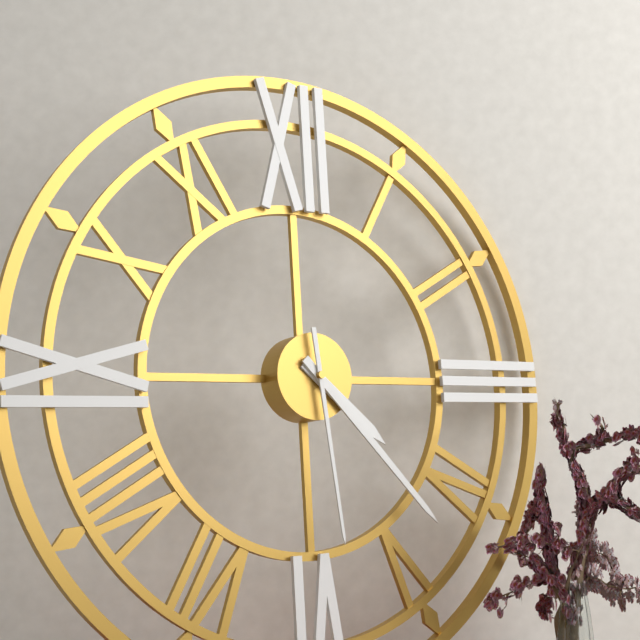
4 h 23 min 29 s
